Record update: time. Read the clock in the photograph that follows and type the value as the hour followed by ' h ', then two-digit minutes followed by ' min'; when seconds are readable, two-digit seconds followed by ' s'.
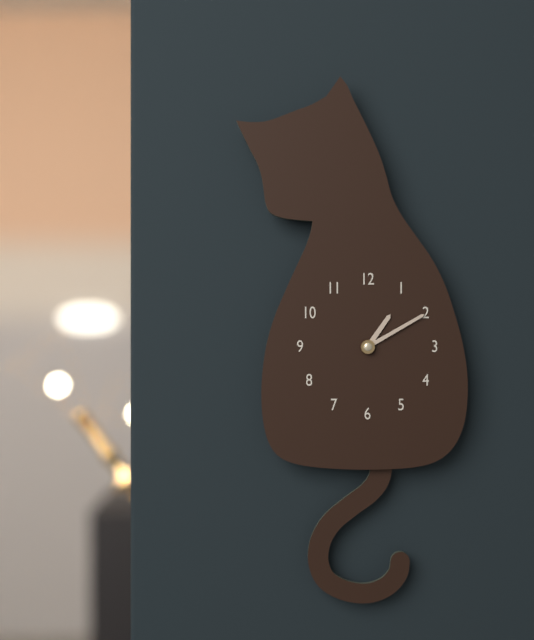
1 h 10 min
